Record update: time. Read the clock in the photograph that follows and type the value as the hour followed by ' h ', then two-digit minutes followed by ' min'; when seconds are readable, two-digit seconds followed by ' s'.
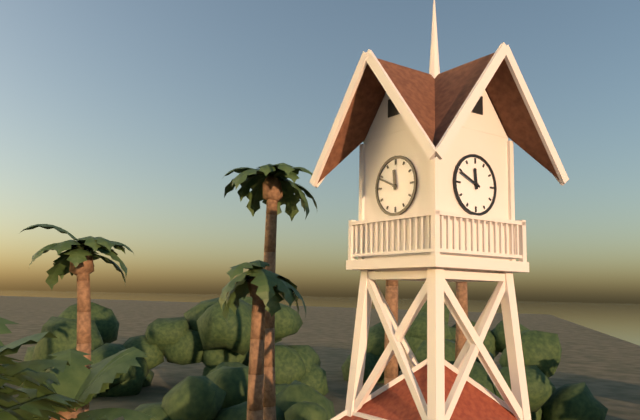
11 h 49 min
